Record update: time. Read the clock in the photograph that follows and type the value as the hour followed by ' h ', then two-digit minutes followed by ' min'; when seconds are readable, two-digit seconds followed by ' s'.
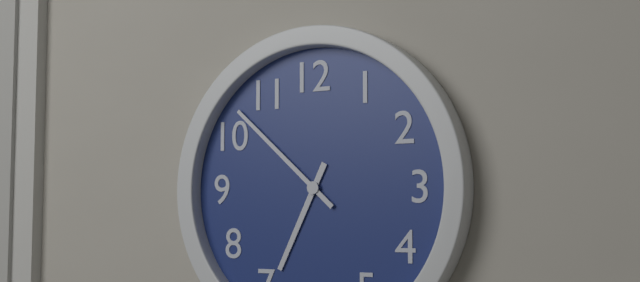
6 h 52 min
